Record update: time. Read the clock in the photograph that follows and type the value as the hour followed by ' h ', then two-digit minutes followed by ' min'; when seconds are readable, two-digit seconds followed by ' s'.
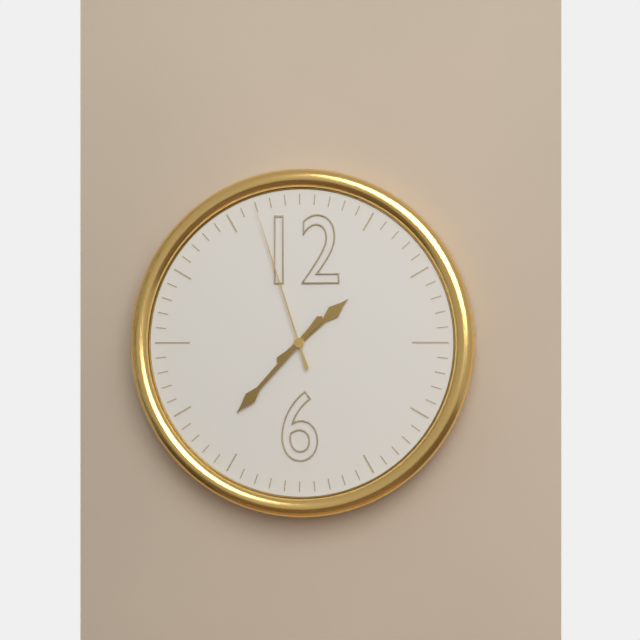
1 h 37 min 57 s
